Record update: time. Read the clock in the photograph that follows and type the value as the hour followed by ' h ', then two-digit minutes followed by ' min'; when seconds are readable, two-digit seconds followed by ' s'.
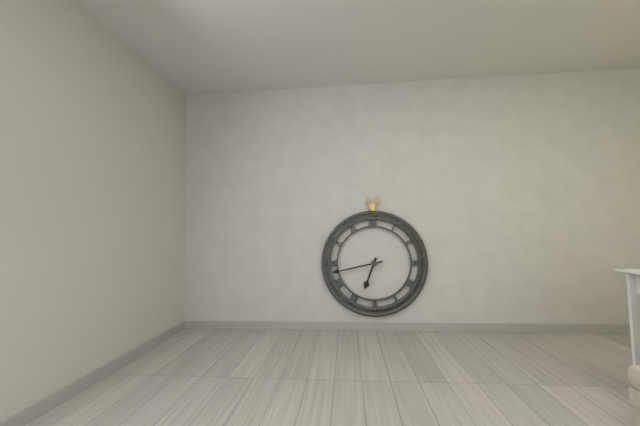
6 h 43 min
